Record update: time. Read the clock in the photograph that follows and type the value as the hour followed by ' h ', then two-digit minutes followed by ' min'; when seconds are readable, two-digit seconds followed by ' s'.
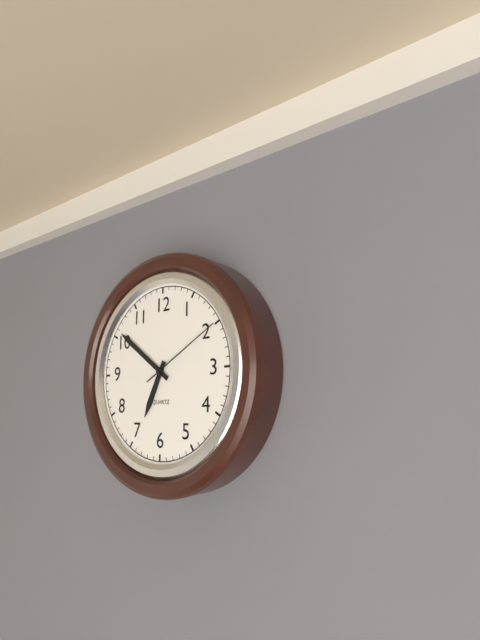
6 h 51 min 10 s
